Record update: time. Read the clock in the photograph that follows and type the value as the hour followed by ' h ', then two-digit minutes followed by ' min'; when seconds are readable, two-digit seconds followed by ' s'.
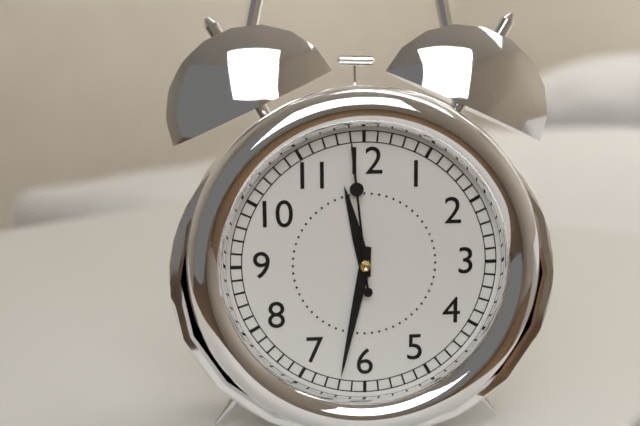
11 h 32 min 59 s
